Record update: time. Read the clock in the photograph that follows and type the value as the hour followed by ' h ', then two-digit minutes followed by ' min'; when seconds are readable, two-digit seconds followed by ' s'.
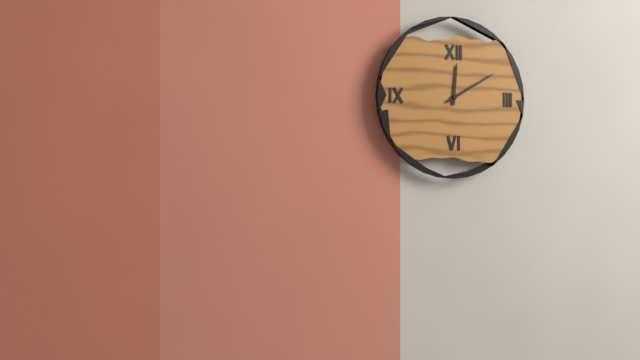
12 h 10 min
